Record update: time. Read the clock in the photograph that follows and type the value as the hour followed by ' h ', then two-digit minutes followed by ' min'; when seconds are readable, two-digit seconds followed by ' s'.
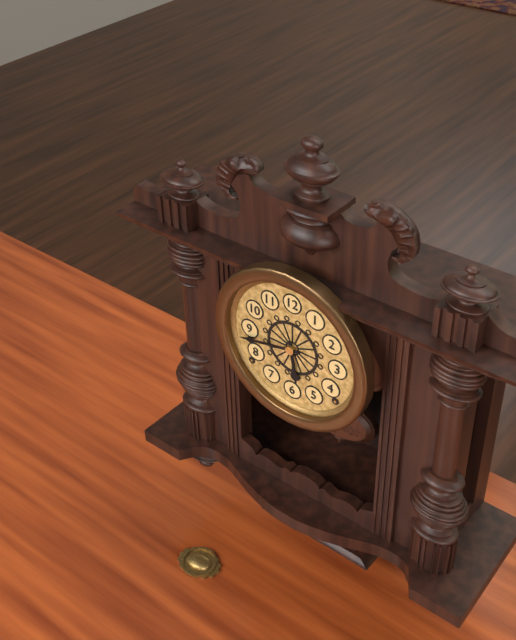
5 h 43 min
